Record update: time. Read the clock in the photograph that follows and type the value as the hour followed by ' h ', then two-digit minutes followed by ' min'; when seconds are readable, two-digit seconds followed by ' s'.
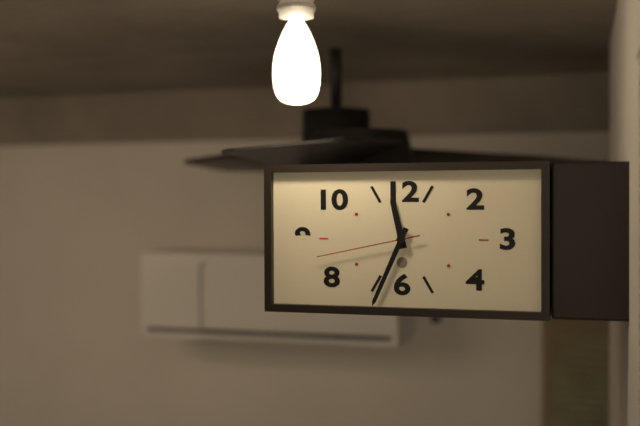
11 h 34 min 43 s
